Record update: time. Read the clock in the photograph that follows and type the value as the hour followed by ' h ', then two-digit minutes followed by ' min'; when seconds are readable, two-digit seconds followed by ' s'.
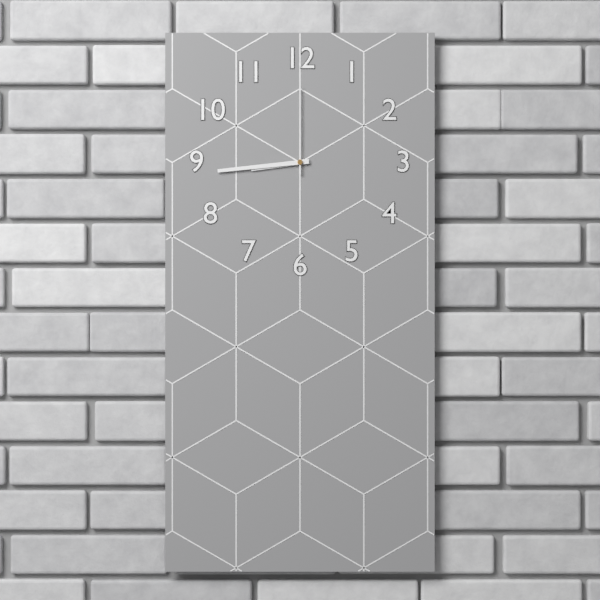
8 h 44 min 00 s
